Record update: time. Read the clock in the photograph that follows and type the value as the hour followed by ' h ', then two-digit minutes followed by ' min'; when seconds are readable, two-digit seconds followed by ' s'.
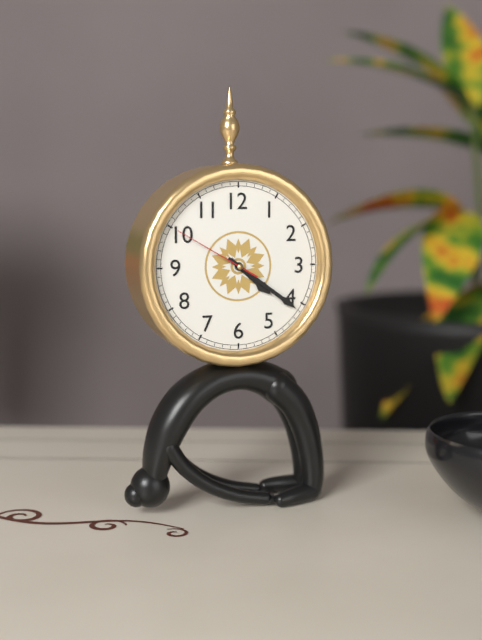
4 h 21 min 50 s
